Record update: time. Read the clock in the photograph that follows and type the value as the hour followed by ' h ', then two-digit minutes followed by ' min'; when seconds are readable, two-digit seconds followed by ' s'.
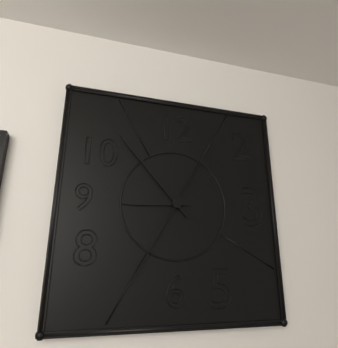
8 h 53 min 35 s
